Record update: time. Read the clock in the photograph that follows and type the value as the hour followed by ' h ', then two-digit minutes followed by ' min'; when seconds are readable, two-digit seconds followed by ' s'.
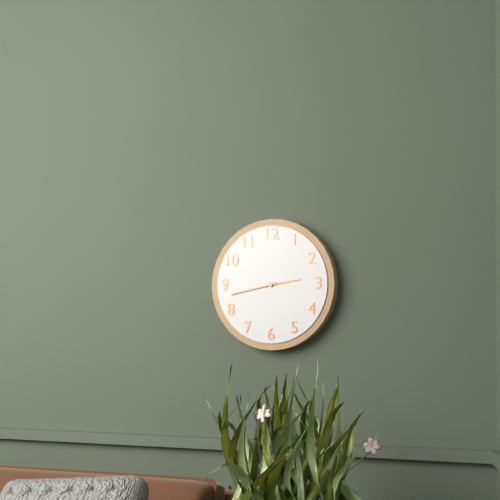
2 h 43 min
